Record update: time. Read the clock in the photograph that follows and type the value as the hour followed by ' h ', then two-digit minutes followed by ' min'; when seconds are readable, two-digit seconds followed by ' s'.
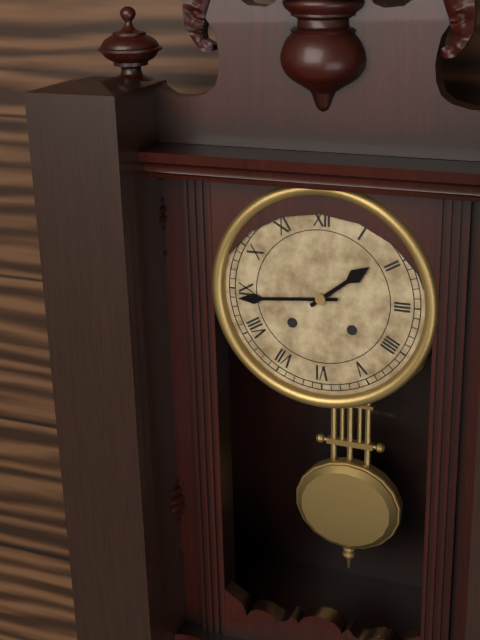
1 h 44 min
